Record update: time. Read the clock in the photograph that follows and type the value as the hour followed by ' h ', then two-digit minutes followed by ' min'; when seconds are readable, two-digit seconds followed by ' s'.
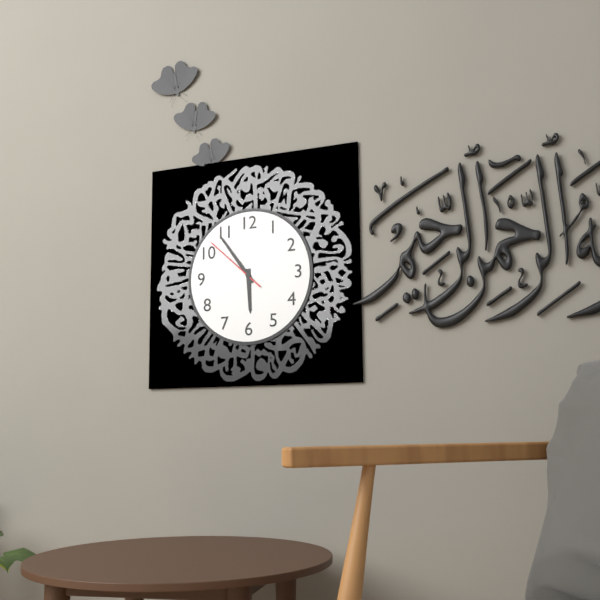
5 h 54 min 52 s
